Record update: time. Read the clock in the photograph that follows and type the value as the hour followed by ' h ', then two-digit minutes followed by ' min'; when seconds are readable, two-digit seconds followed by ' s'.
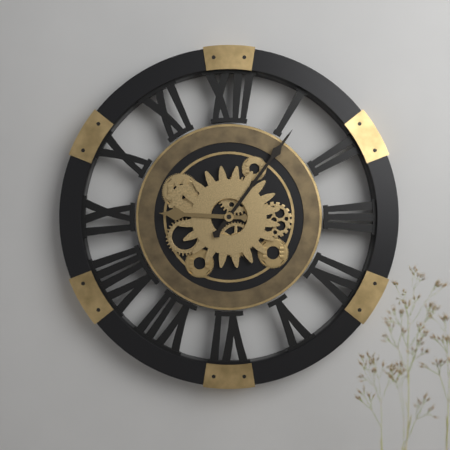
9 h 06 min
